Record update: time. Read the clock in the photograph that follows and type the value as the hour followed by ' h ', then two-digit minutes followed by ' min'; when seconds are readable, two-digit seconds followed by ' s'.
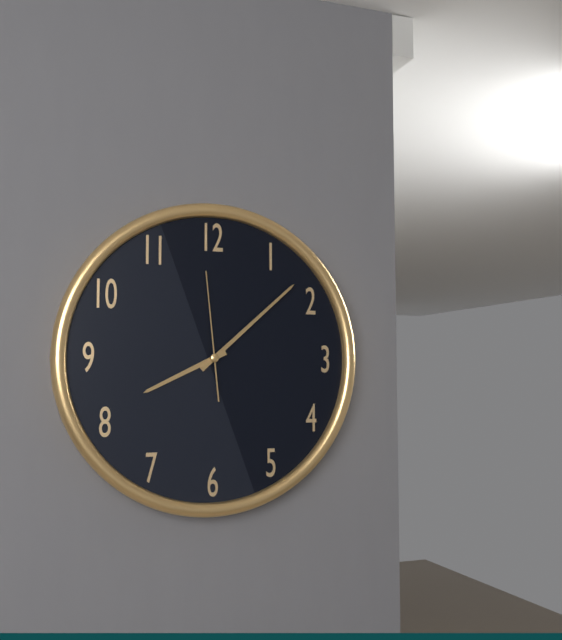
8 h 08 min 59 s
